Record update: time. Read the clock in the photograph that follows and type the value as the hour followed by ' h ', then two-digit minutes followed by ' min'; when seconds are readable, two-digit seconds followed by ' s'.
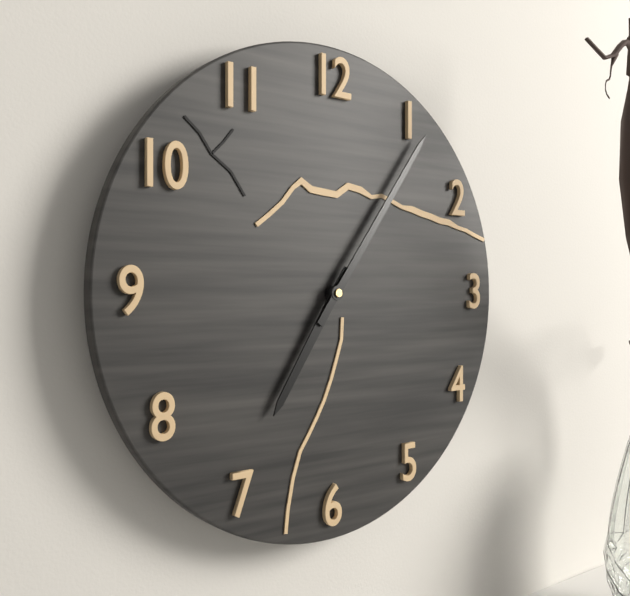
7 h 06 min
